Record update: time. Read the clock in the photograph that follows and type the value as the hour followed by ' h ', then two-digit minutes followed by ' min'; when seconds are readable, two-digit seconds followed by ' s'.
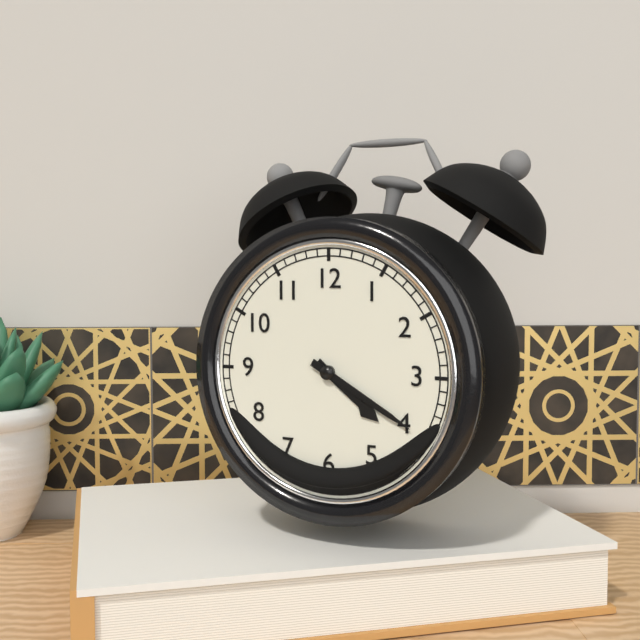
4 h 20 min
